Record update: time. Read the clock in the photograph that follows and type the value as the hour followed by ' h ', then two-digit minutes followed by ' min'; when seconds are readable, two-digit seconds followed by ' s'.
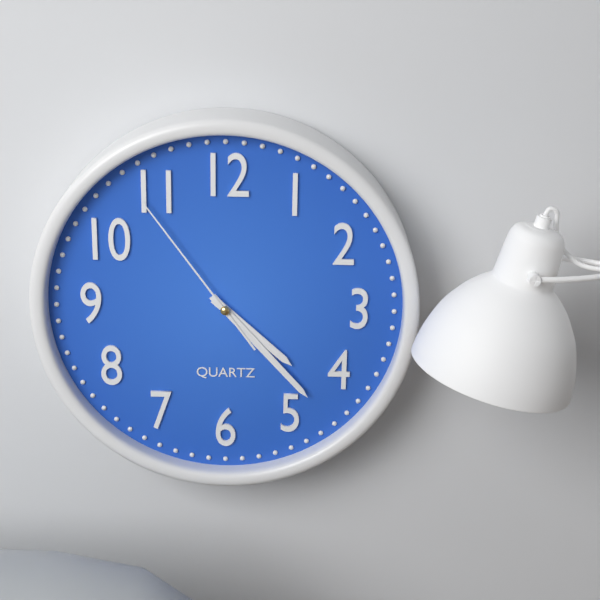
4 h 23 min 54 s
